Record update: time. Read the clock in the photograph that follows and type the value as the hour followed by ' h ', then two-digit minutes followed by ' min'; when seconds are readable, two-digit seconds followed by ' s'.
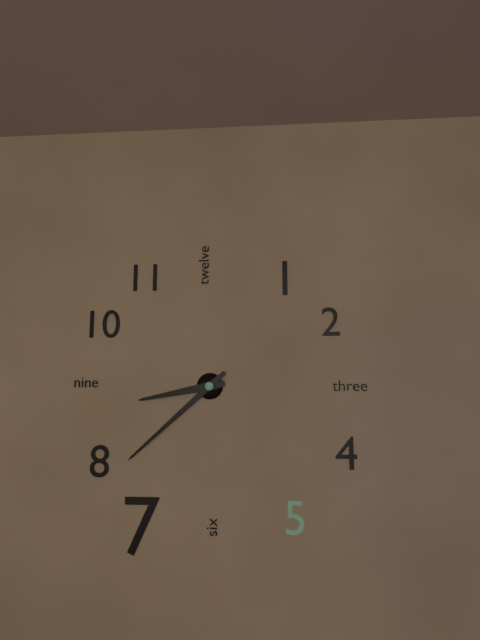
8 h 38 min
